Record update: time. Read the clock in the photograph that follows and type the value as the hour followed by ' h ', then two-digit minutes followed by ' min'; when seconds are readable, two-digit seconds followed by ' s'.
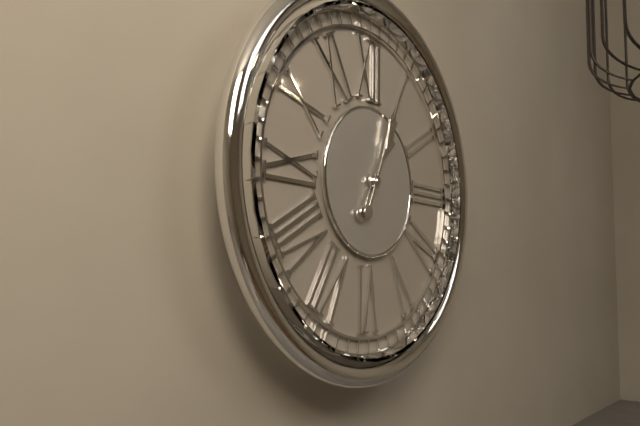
1 h 04 min
